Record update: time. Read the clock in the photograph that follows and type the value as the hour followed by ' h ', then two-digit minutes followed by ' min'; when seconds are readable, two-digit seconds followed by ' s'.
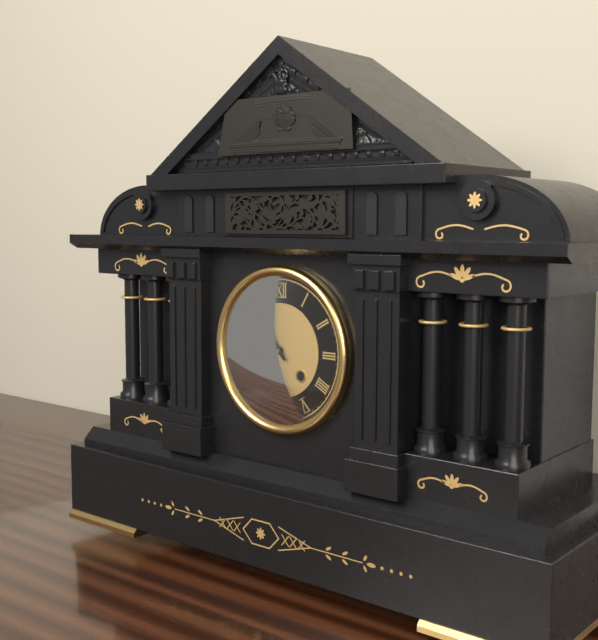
10 h 53 min
